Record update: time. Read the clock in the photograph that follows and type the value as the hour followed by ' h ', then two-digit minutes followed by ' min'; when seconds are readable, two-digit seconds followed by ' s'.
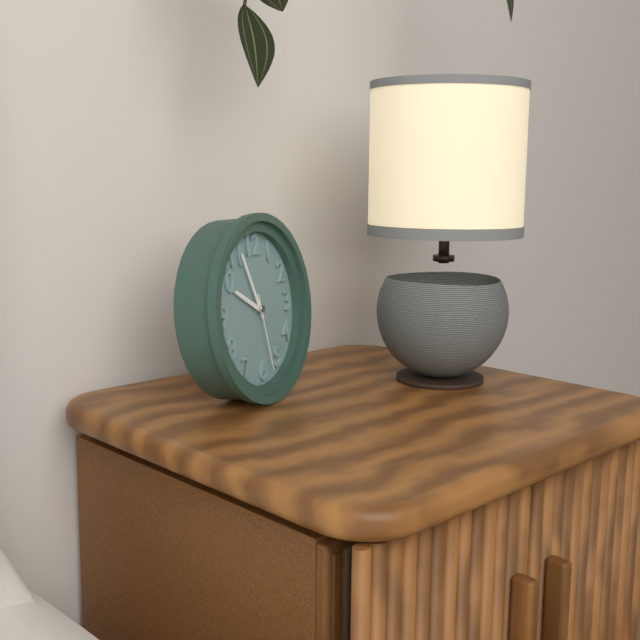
9 h 56 min 28 s
